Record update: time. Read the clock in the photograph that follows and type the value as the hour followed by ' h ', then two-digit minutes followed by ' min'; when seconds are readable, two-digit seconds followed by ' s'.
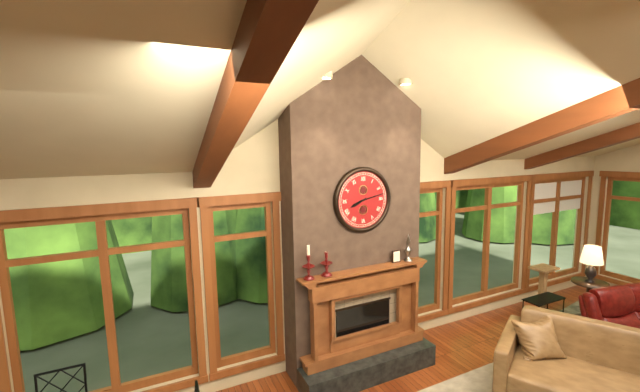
8 h 13 min
